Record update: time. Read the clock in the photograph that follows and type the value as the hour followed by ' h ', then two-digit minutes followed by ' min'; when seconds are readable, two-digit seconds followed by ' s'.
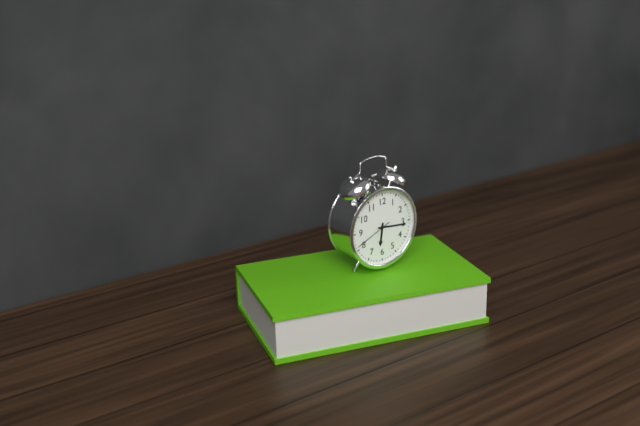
6 h 16 min
